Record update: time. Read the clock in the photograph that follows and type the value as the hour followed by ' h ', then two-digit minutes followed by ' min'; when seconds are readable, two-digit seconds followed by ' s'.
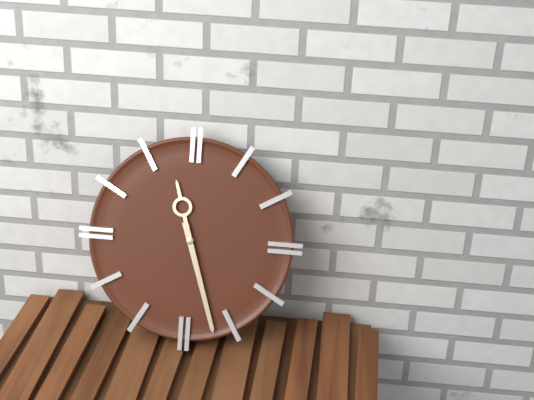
11 h 27 min
